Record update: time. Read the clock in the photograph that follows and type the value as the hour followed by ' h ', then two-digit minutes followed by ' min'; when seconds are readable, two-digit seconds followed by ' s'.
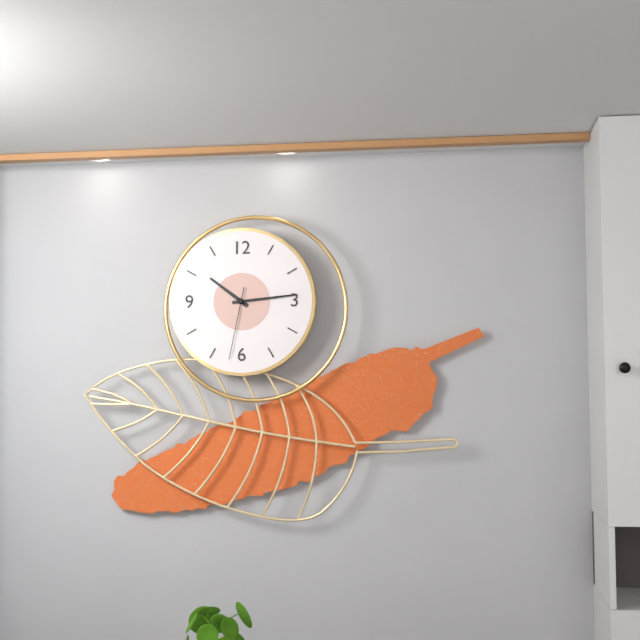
10 h 14 min 32 s
